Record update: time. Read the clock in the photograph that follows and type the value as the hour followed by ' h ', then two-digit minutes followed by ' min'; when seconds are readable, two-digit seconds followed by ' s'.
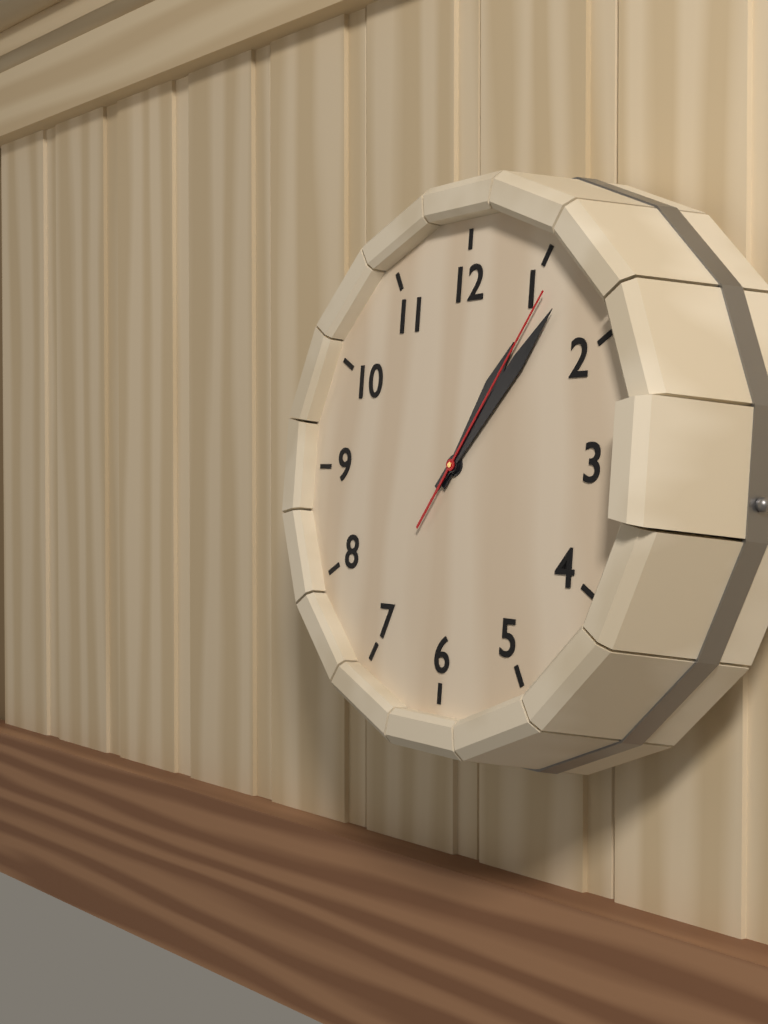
1 h 07 min 06 s
